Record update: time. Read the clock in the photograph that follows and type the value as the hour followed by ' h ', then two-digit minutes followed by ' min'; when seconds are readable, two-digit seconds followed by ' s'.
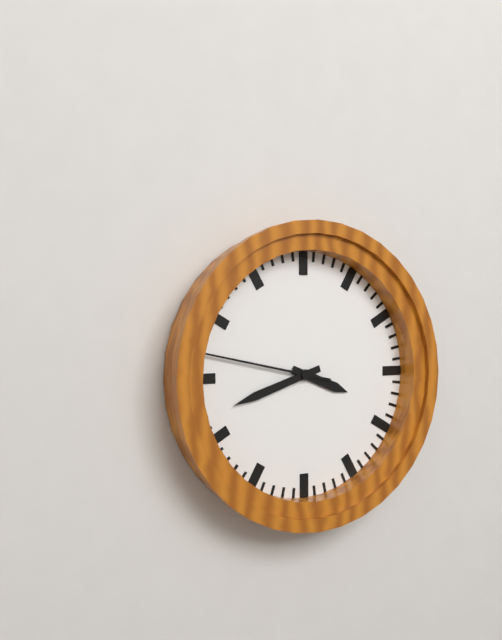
3 h 42 min 47 s
